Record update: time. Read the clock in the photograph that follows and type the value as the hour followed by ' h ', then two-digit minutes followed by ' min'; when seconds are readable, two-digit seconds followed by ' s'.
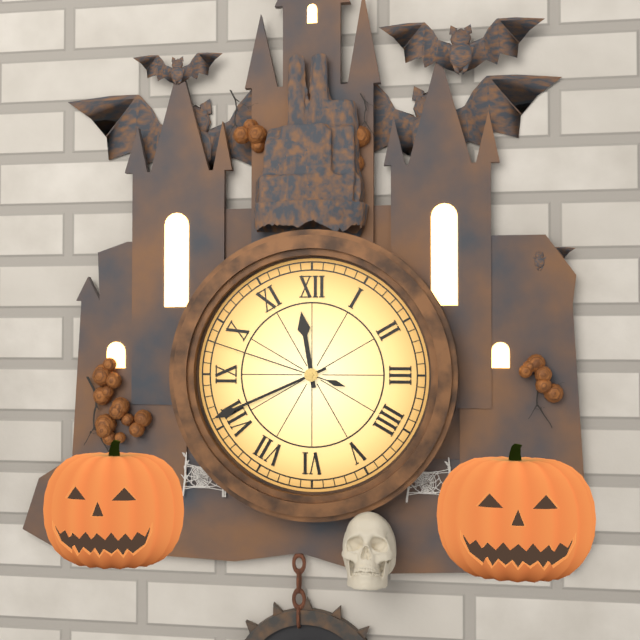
11 h 41 min 48 s
